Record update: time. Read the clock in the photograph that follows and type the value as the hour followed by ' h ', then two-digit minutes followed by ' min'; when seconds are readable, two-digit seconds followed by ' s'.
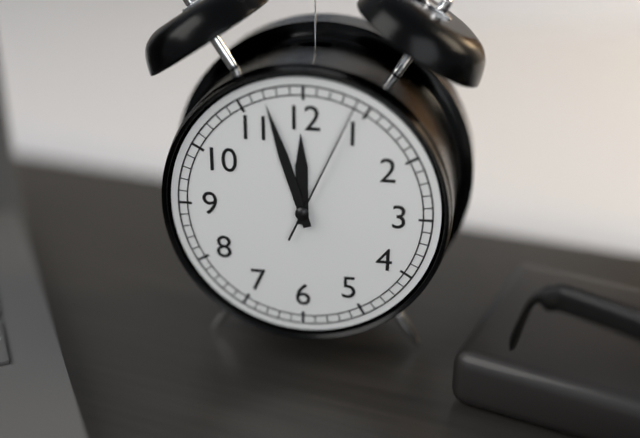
11 h 57 min 04 s
